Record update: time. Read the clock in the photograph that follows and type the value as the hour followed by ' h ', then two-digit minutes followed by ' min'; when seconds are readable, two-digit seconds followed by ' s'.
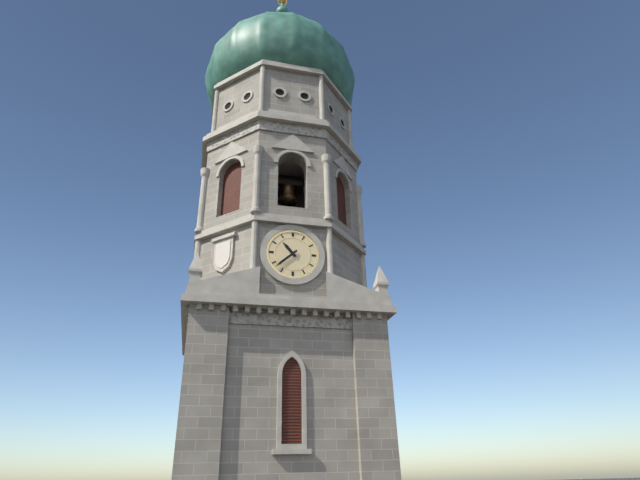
10 h 38 min
